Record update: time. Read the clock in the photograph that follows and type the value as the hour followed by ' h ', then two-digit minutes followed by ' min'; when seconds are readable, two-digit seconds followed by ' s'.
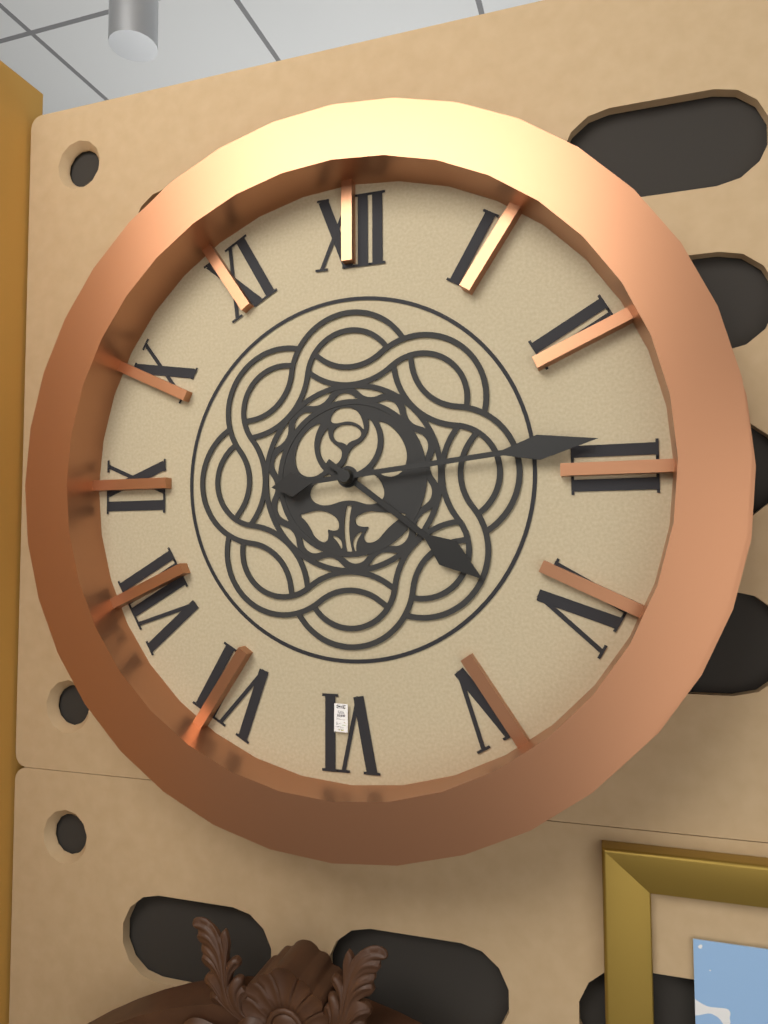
4 h 14 min
